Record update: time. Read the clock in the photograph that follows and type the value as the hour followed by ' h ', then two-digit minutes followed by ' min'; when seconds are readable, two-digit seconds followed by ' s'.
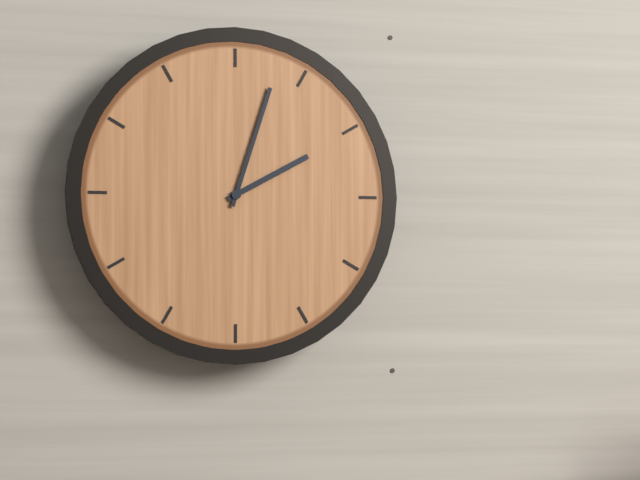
2 h 03 min
